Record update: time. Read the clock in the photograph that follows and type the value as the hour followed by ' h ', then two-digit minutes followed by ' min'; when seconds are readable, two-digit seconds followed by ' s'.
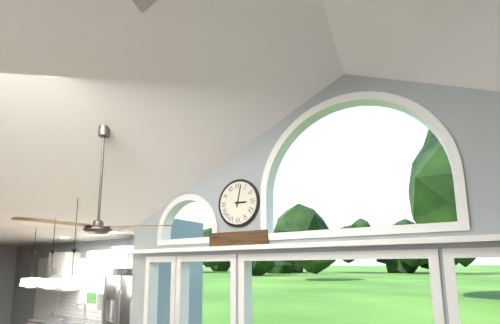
3 h 02 min
